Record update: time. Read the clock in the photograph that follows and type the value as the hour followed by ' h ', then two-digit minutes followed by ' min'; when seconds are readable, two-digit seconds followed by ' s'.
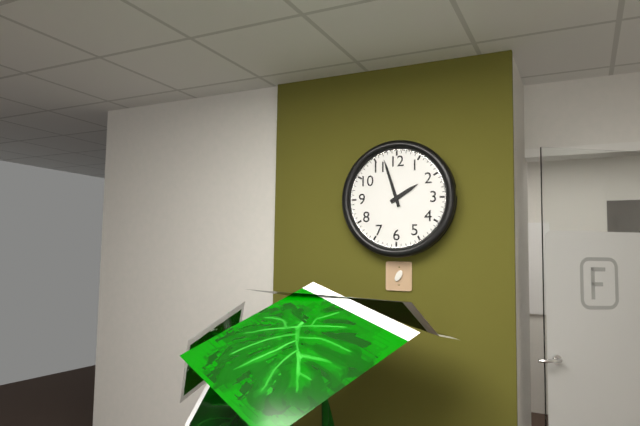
1 h 57 min
